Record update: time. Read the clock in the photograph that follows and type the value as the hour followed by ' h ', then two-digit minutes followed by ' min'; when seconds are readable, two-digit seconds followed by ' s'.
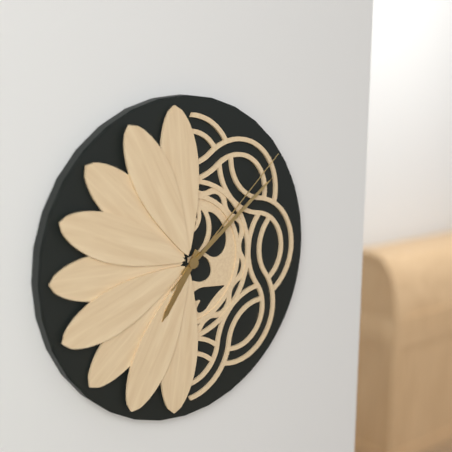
7 h 09 min 08 s
